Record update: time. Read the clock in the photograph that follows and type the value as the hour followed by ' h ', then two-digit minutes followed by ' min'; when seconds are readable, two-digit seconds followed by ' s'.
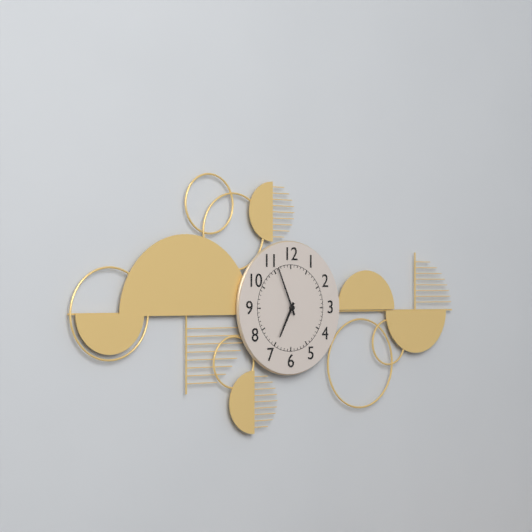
6 h 56 min
